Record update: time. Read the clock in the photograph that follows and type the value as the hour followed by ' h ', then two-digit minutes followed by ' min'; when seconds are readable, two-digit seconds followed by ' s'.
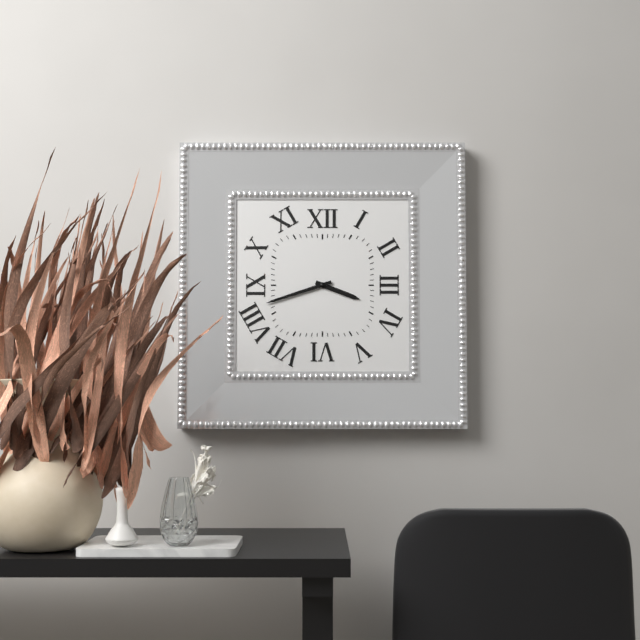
3 h 42 min
